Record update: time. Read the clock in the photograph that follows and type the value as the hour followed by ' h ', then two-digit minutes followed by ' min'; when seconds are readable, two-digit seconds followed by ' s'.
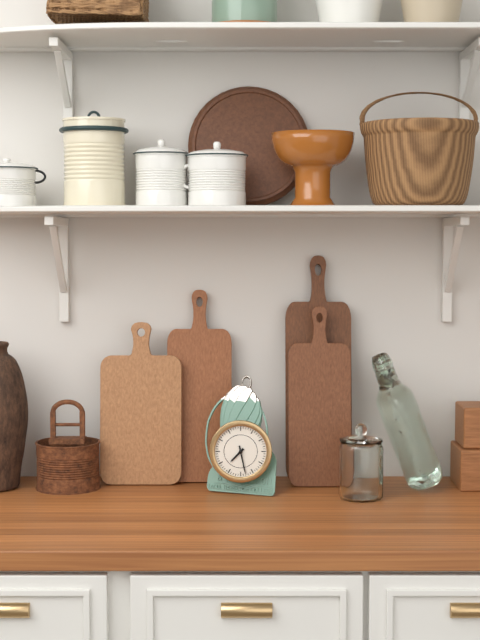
7 h 28 min
